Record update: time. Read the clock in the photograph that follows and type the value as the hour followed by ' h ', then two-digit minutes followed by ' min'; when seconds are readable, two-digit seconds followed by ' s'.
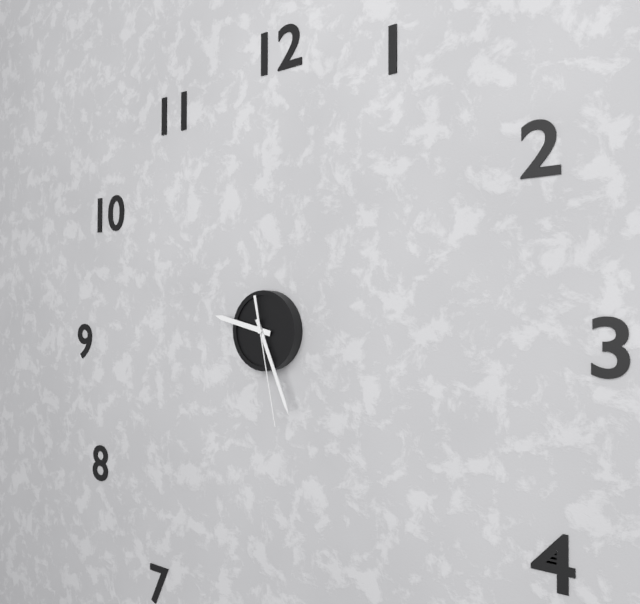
9 h 26 min 28 s
